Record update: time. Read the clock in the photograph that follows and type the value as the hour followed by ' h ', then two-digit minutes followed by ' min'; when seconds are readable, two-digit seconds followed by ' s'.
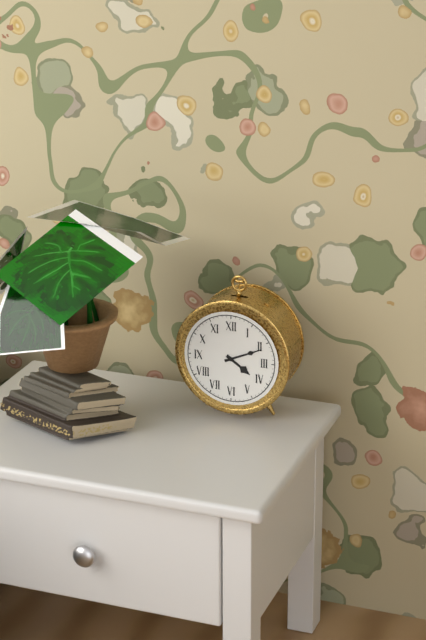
4 h 11 min
